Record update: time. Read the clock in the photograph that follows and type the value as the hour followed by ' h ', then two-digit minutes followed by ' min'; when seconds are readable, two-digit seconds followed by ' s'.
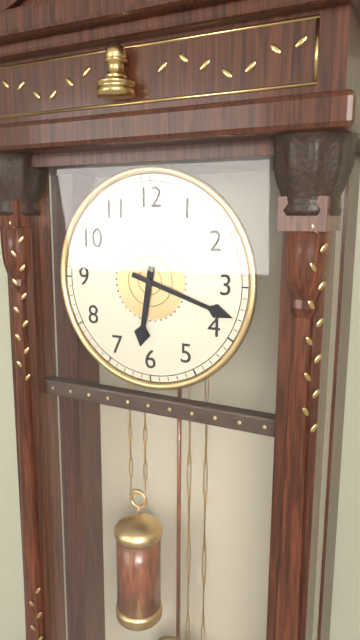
6 h 18 min
